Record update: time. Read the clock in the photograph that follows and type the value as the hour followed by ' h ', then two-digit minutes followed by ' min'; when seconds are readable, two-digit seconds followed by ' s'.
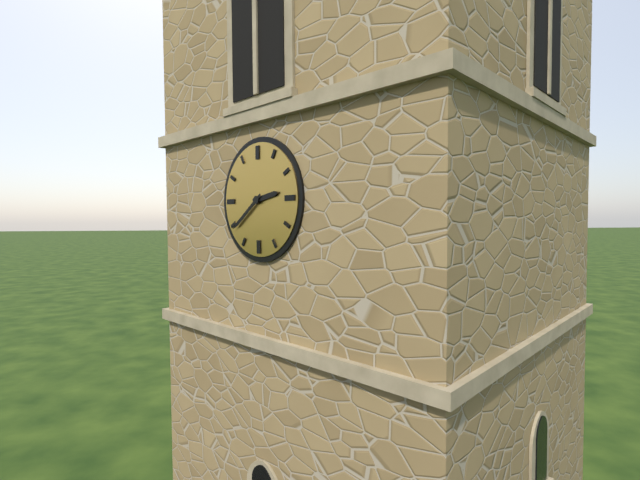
2 h 39 min
